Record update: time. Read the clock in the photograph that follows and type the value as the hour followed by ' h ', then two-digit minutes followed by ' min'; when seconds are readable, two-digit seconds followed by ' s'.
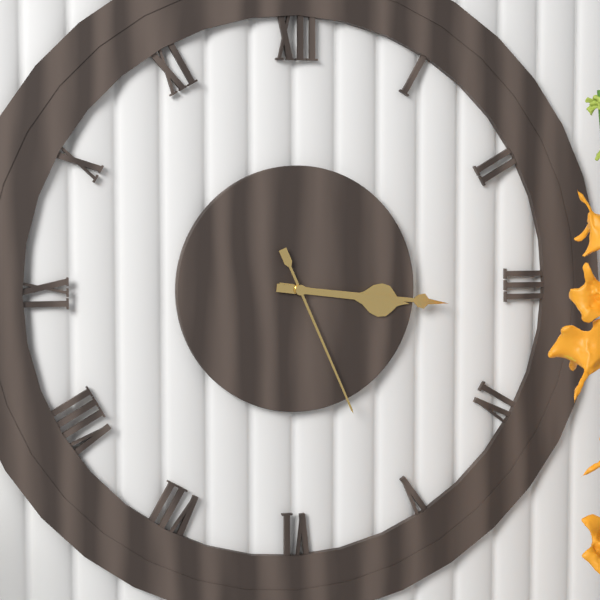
3 h 16 min 26 s
